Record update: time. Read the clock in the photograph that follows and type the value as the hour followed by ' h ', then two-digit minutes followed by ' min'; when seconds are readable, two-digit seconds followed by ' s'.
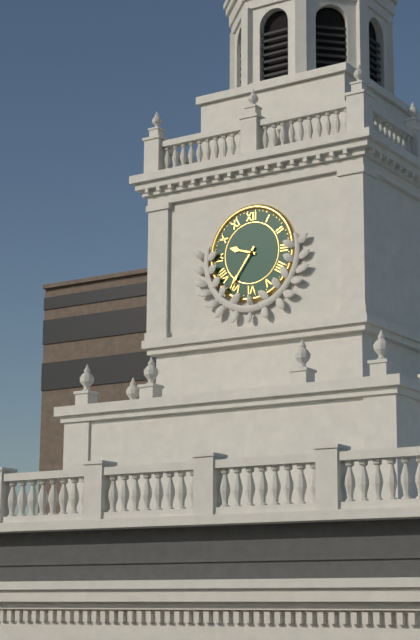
9 h 36 min
